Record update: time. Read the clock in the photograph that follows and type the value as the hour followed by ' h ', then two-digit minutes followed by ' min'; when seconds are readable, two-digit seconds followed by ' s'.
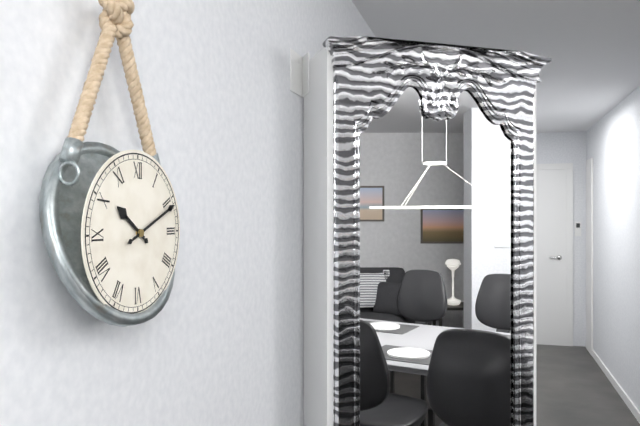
10 h 11 min
